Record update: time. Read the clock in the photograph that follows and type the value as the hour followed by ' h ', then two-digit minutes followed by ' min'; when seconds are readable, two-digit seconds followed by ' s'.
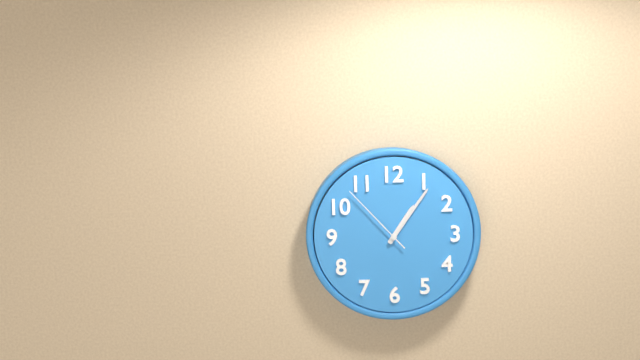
1 h 06 min 53 s
